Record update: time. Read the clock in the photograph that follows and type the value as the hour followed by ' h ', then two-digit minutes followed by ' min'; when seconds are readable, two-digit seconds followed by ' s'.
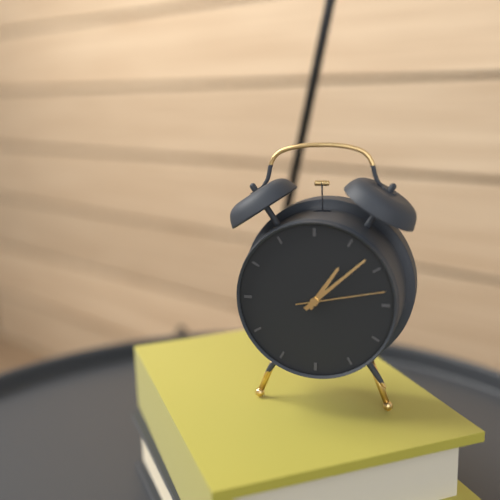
1 h 08 min 13 s
